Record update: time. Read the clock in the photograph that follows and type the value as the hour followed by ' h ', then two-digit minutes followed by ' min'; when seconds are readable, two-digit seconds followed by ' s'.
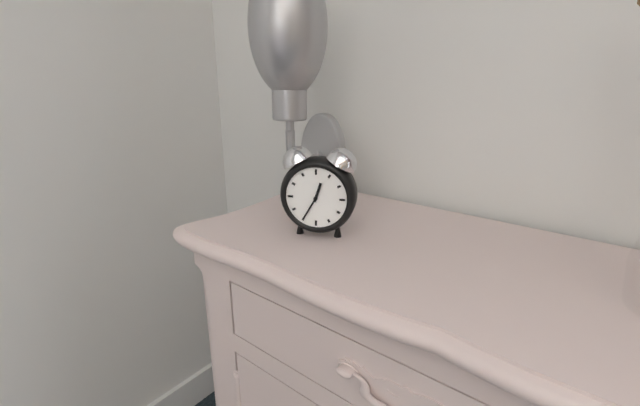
12 h 35 min
